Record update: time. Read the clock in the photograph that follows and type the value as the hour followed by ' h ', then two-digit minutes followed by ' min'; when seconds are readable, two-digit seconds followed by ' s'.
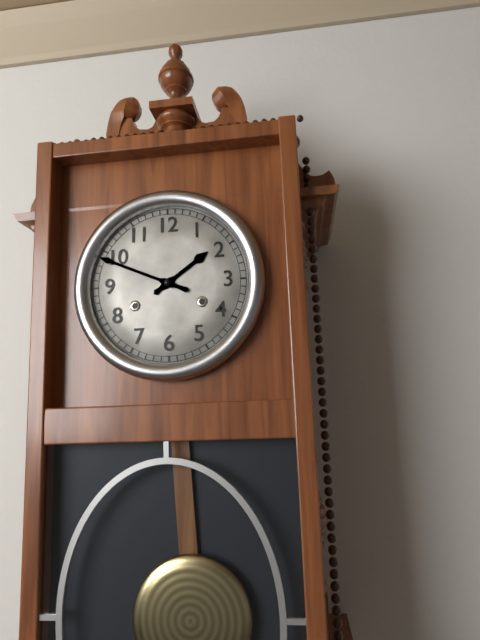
1 h 49 min
